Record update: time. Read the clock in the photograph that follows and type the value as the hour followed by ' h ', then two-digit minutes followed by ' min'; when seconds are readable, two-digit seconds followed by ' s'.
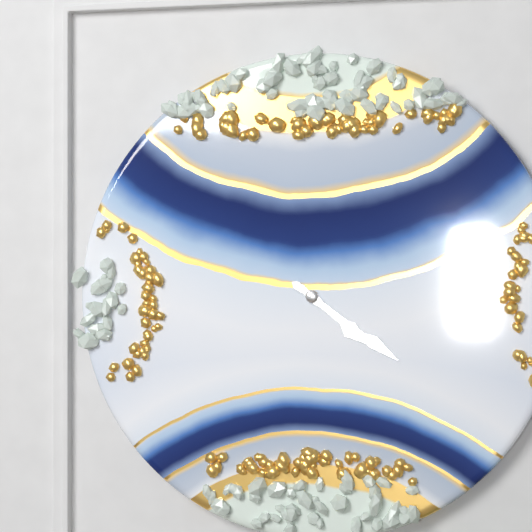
4 h 21 min
